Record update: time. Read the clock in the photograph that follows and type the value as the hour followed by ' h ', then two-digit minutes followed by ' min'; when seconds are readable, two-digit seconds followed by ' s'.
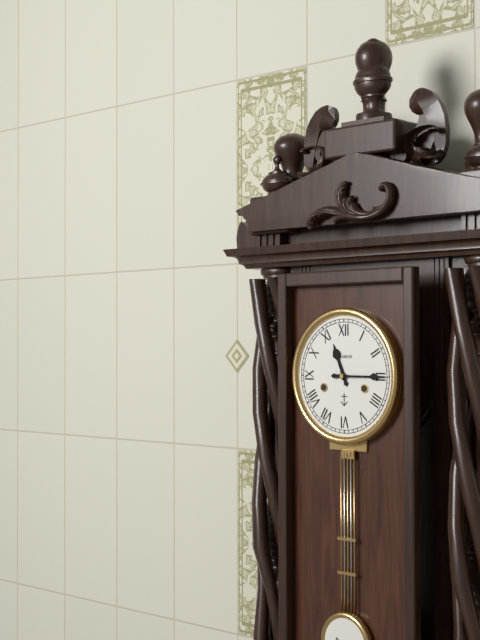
11 h 15 min
